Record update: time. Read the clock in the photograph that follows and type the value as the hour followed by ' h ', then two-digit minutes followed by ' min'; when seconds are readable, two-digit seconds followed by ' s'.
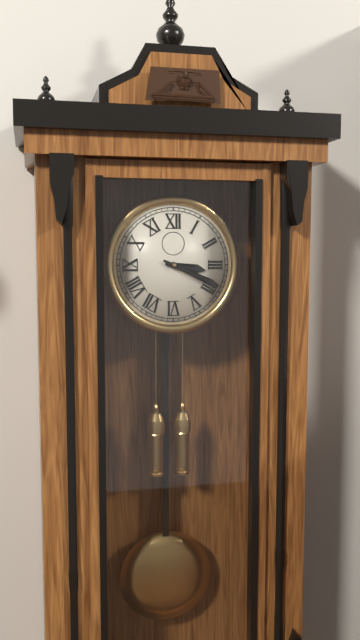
3 h 19 min
